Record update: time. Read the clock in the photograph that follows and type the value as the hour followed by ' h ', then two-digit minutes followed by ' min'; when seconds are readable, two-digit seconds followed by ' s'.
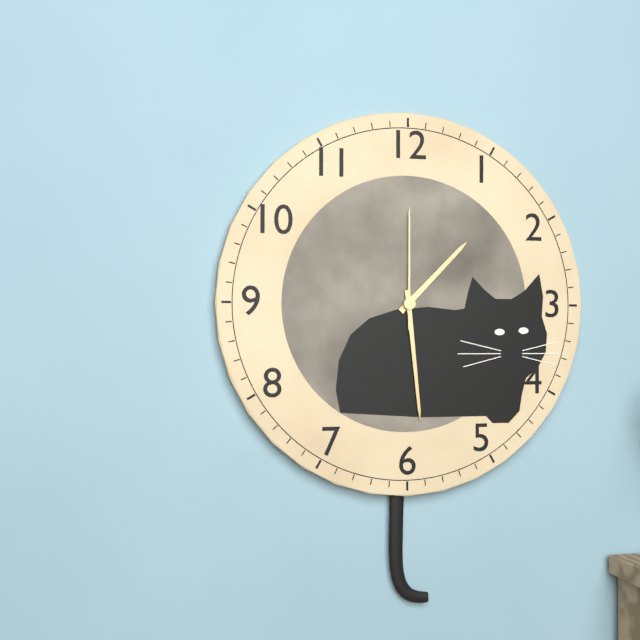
1 h 29 min 00 s
